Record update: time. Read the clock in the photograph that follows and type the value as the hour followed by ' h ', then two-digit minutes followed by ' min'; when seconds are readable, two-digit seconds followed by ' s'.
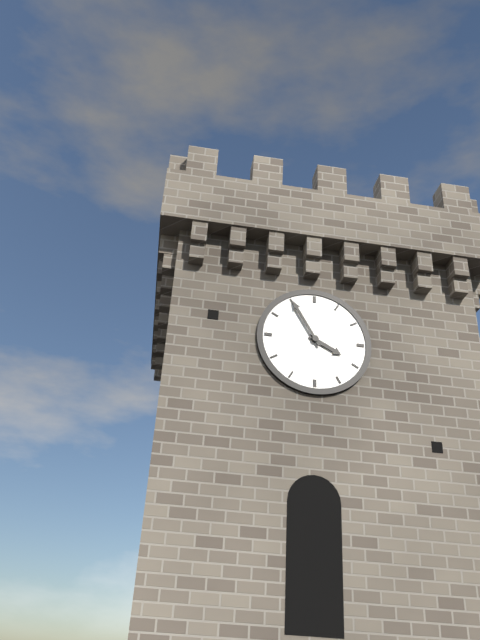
3 h 55 min
